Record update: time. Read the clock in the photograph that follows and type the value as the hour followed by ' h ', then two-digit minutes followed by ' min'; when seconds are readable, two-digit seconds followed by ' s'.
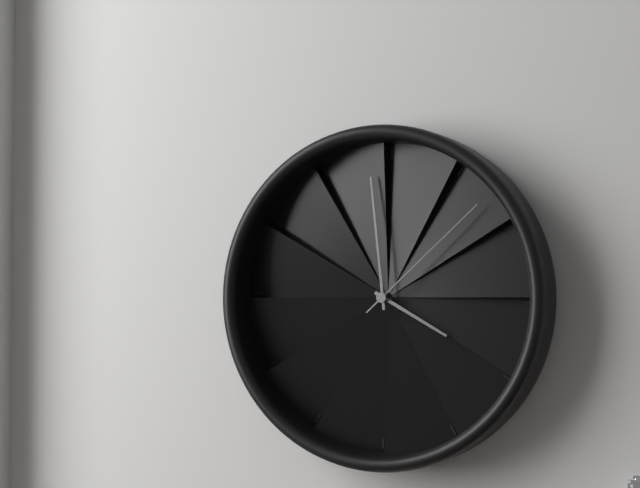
3 h 59 min 08 s
